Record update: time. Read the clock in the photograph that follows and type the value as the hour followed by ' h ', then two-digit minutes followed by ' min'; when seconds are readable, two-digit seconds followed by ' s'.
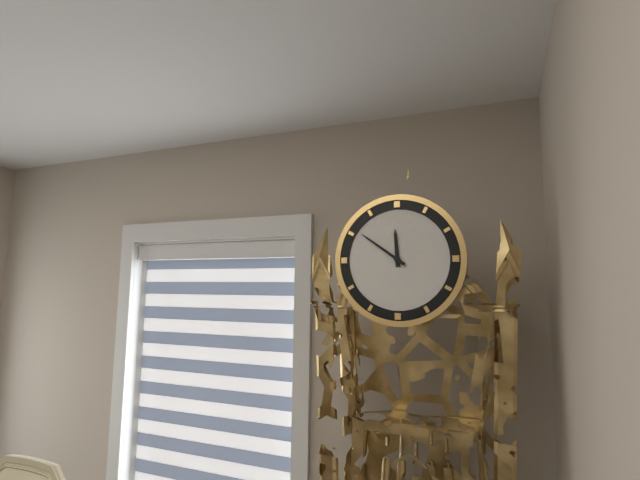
11 h 51 min
